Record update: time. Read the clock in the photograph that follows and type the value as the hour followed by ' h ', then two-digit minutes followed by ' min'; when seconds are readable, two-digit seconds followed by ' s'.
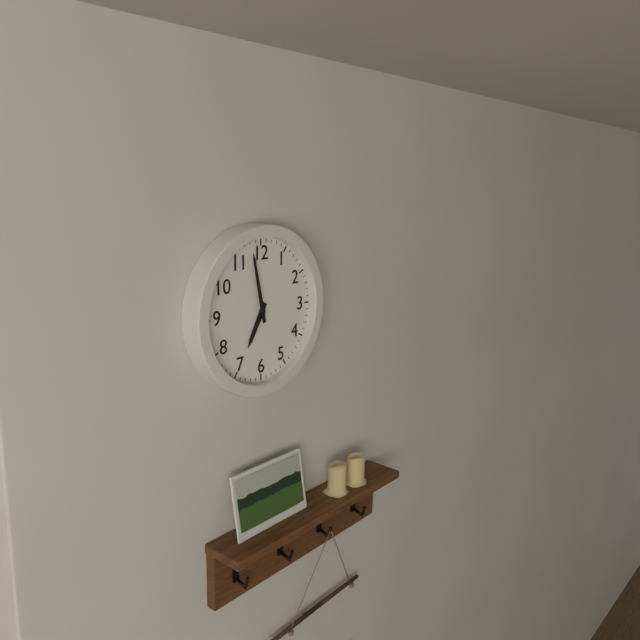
6 h 58 min
